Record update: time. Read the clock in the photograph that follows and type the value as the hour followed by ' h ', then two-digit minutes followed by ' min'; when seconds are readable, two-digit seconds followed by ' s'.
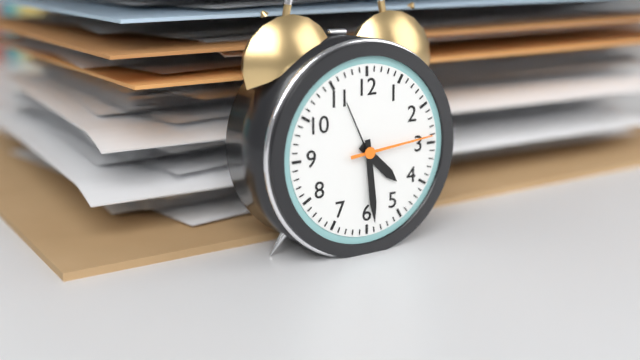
4 h 29 min 14 s
